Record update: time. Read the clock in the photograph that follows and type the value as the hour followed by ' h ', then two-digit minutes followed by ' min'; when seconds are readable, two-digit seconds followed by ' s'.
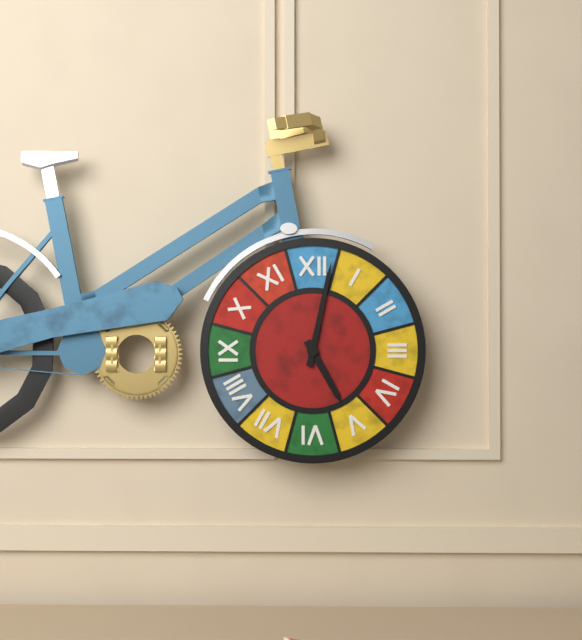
5 h 02 min
